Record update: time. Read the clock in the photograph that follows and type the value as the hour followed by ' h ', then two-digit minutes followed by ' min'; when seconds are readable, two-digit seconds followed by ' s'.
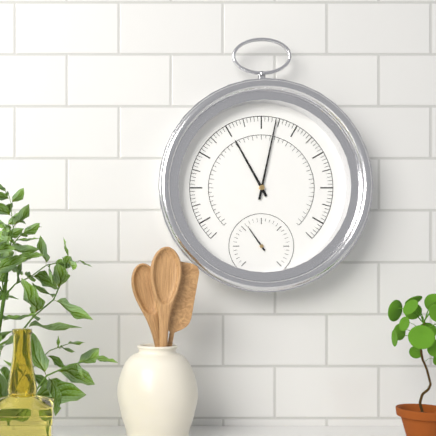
11 h 02 min
